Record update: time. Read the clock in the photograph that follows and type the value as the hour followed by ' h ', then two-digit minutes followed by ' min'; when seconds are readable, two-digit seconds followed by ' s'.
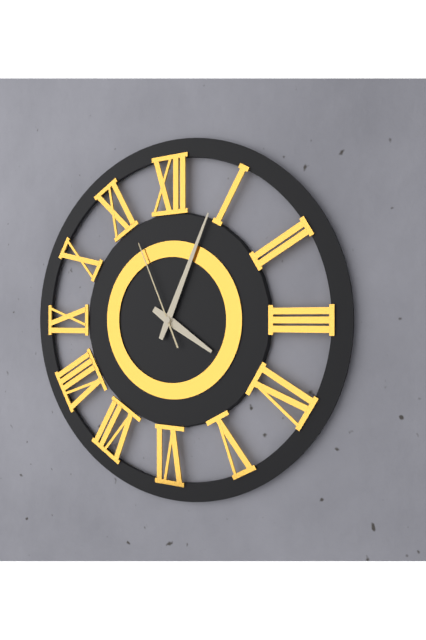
4 h 04 min 56 s
